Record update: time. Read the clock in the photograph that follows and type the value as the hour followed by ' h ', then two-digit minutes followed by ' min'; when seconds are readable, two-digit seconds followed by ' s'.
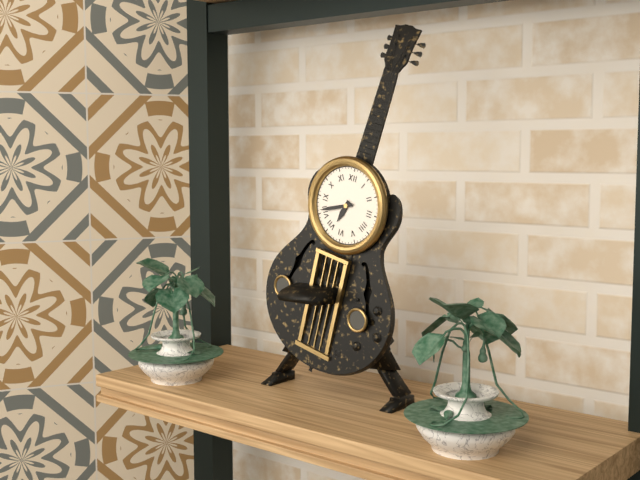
6 h 41 min
